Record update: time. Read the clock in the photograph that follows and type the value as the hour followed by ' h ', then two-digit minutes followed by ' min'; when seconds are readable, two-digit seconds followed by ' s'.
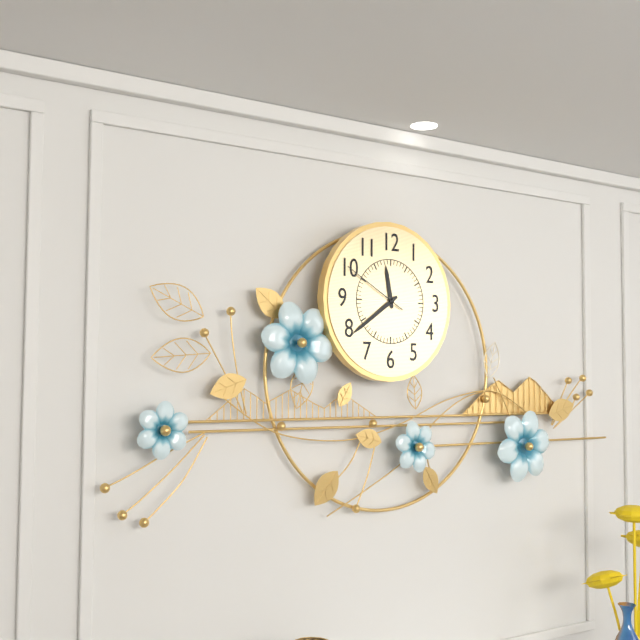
11 h 39 min 50 s
